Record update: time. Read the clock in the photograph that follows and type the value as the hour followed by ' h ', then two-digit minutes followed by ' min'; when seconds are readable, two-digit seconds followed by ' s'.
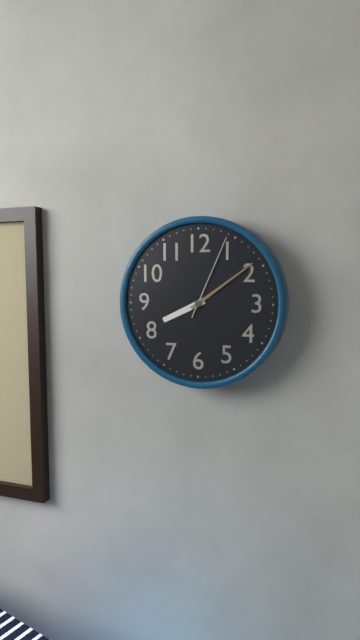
8 h 09 min 04 s
